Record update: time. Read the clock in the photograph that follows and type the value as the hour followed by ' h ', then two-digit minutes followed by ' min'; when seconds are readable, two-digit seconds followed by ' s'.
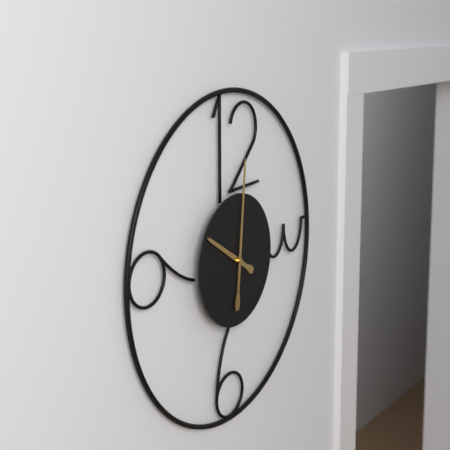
10 h 01 min
